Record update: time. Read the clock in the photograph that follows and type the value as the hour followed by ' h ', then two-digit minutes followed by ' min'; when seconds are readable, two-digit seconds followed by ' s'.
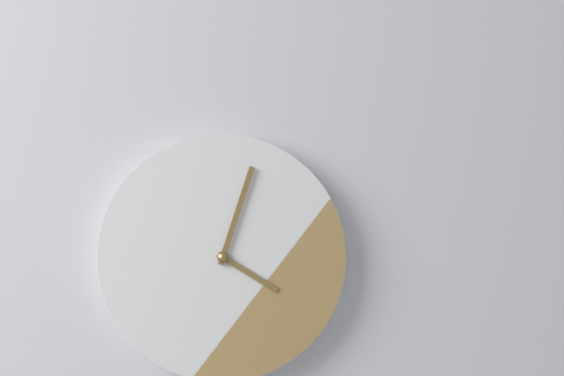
4 h 03 min
